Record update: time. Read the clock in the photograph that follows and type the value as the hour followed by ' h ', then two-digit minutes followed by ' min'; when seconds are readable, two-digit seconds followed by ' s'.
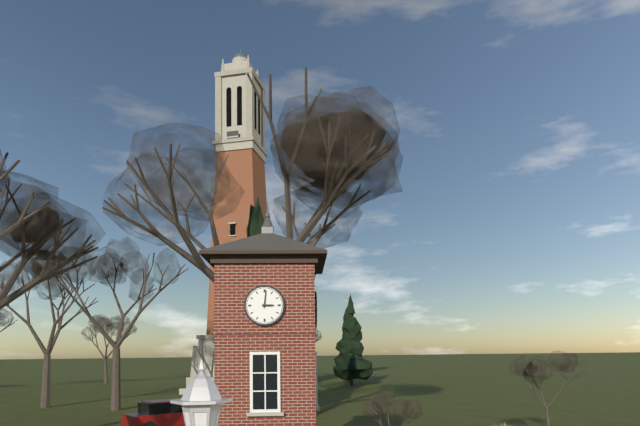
3 h 01 min
